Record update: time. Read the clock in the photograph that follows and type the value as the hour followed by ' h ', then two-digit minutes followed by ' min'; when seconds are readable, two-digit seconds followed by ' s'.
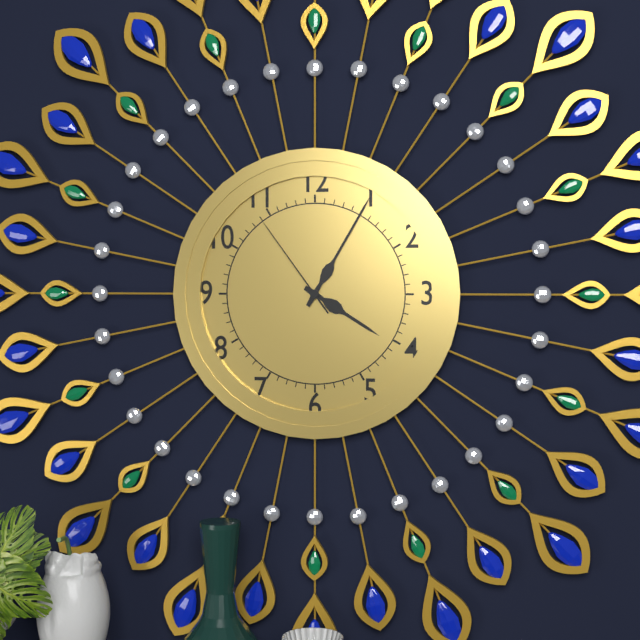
4 h 05 min 54 s
